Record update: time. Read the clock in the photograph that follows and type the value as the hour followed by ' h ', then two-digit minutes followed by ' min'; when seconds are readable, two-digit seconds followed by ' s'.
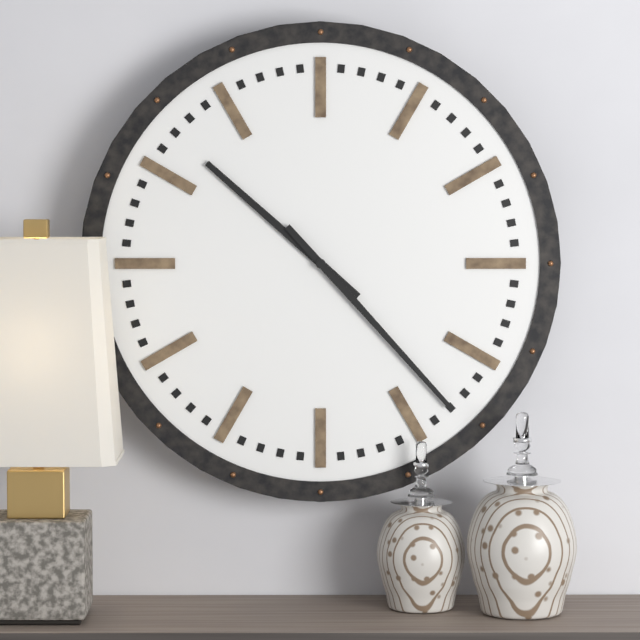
10 h 23 min
